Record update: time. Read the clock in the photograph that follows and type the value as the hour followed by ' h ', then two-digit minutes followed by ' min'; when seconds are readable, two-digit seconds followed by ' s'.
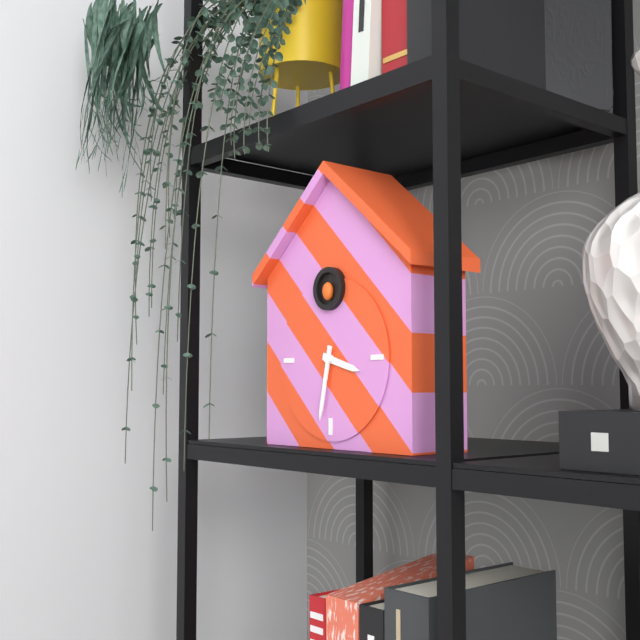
3 h 32 min
